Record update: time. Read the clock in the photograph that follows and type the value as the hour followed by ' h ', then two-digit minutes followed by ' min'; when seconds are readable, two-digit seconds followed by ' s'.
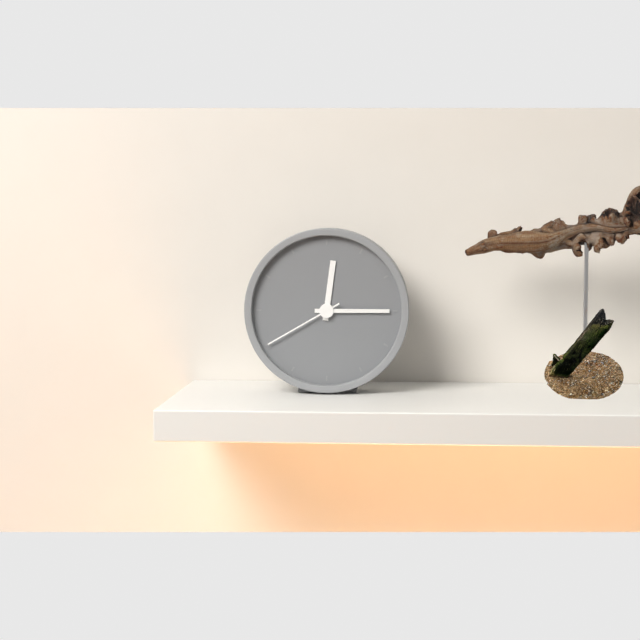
12 h 15 min 40 s
